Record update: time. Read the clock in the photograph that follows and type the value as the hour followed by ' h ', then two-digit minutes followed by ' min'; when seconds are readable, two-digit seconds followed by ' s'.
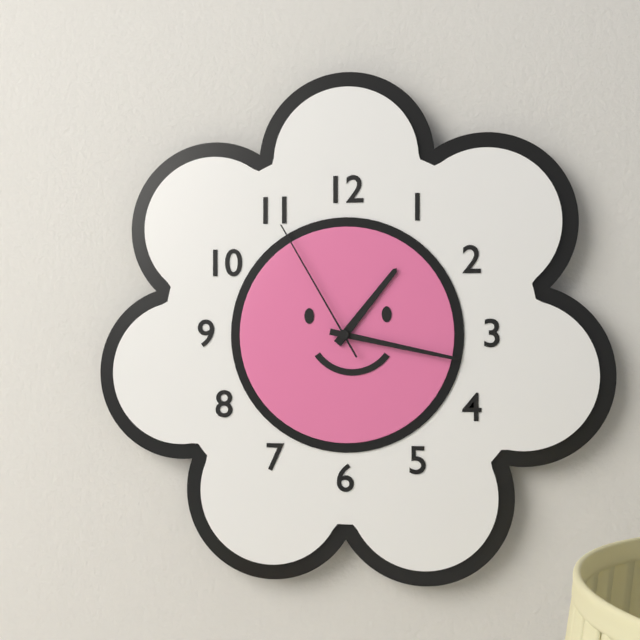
1 h 17 min 55 s
